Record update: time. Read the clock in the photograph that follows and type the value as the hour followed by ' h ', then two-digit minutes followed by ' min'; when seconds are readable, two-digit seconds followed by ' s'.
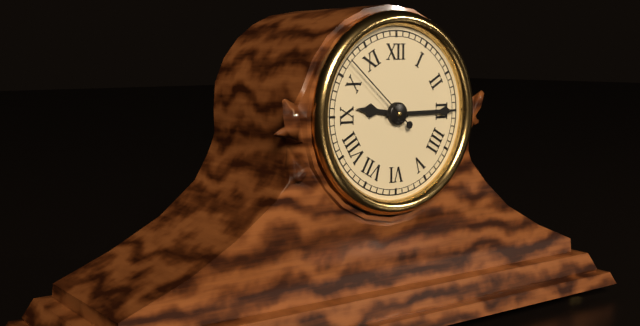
9 h 15 min 52 s
